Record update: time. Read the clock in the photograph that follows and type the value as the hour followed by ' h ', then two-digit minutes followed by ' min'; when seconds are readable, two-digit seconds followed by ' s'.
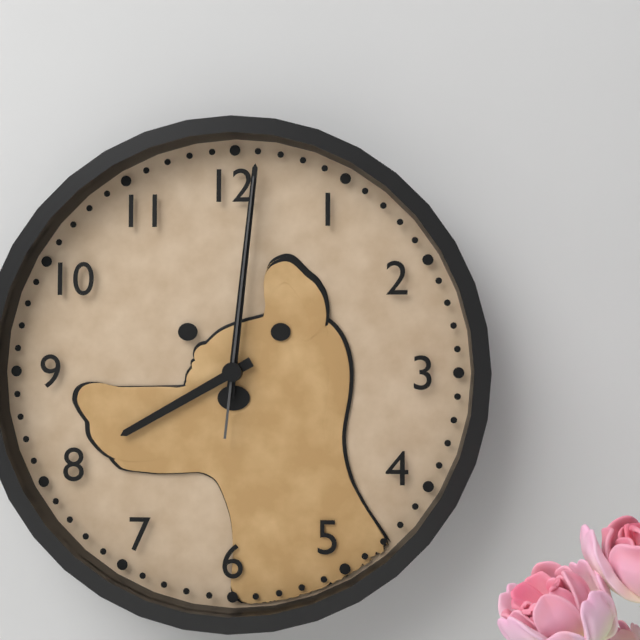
8 h 01 min 01 s
